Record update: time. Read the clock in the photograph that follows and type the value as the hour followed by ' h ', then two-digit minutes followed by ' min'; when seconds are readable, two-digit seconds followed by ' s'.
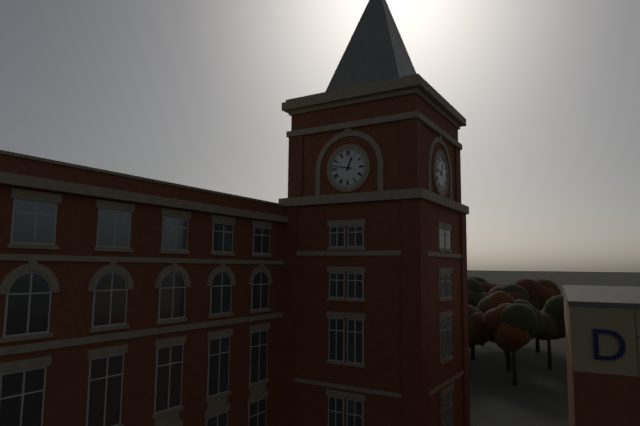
12 h 47 min
